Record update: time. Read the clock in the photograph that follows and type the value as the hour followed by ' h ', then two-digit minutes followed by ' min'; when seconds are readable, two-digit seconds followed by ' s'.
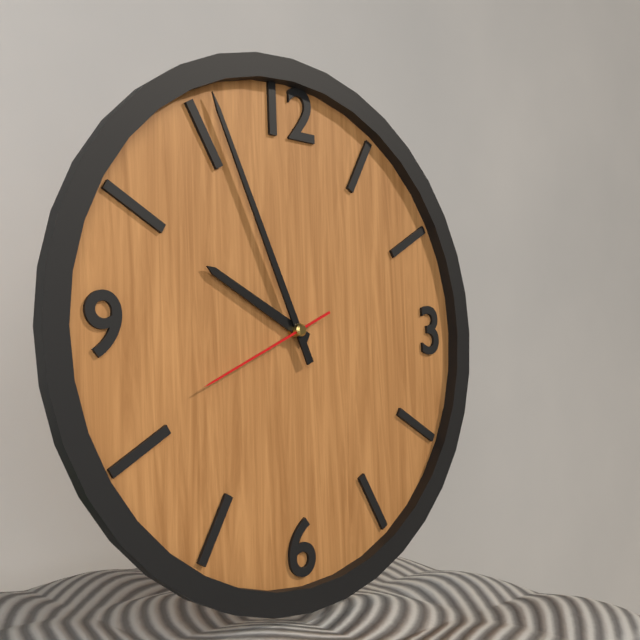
9 h 56 min 41 s
